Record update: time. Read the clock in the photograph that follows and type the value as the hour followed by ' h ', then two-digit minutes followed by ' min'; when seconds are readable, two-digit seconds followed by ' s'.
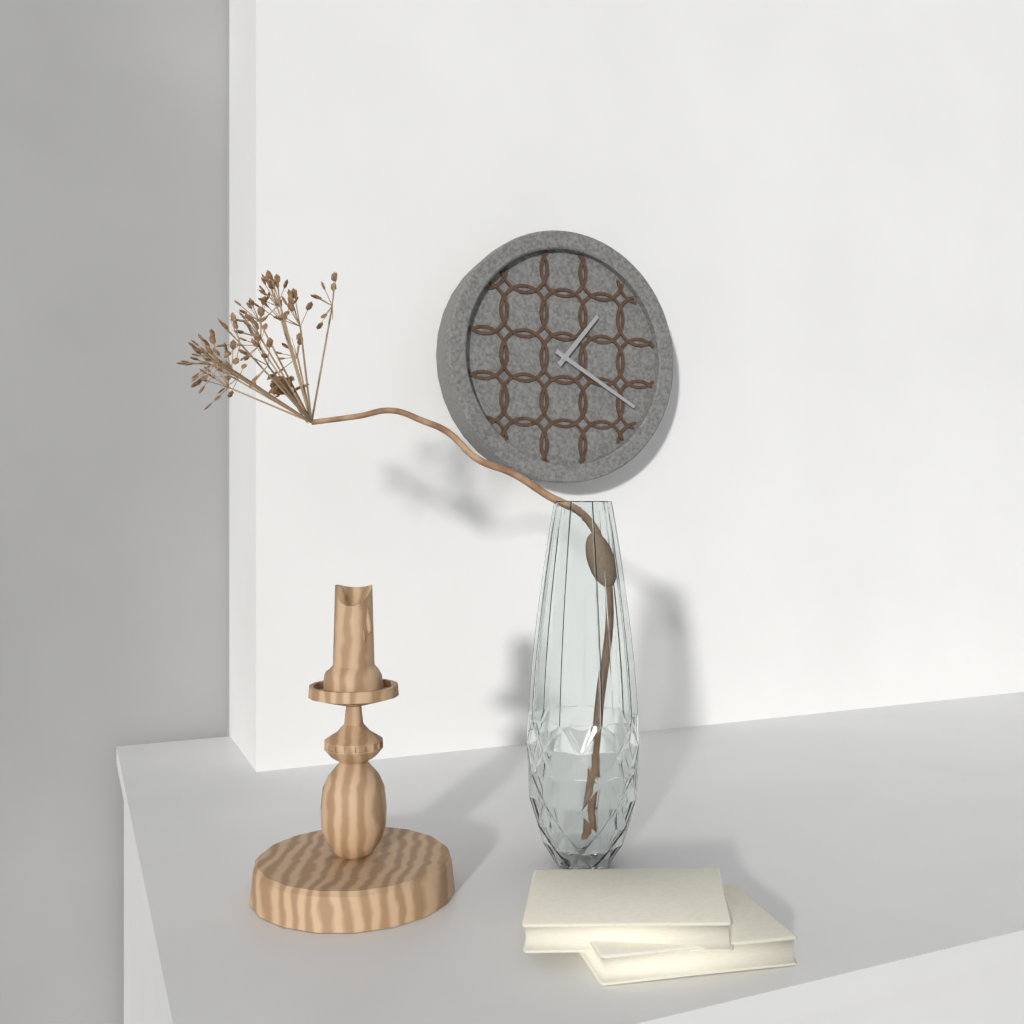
1 h 20 min
